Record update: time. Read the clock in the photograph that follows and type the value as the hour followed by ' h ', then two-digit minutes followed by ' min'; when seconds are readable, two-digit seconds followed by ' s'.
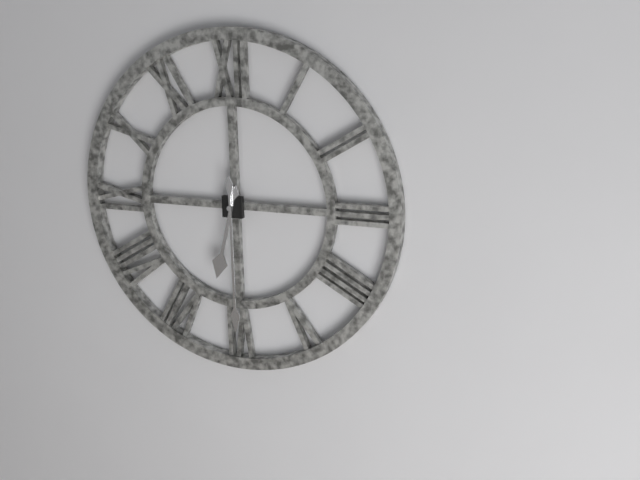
6 h 30 min
